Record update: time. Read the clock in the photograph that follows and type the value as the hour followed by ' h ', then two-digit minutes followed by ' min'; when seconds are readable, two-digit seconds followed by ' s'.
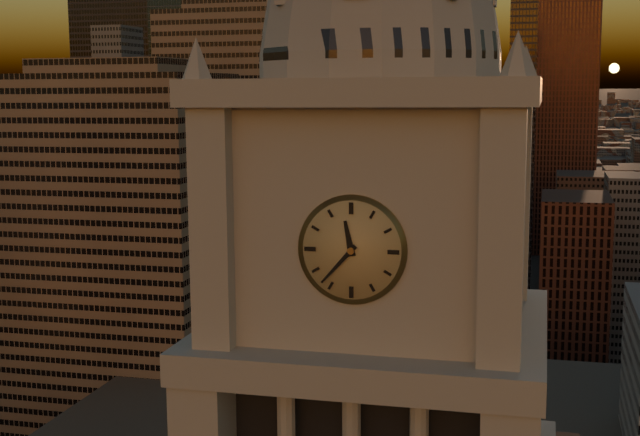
11 h 37 min
